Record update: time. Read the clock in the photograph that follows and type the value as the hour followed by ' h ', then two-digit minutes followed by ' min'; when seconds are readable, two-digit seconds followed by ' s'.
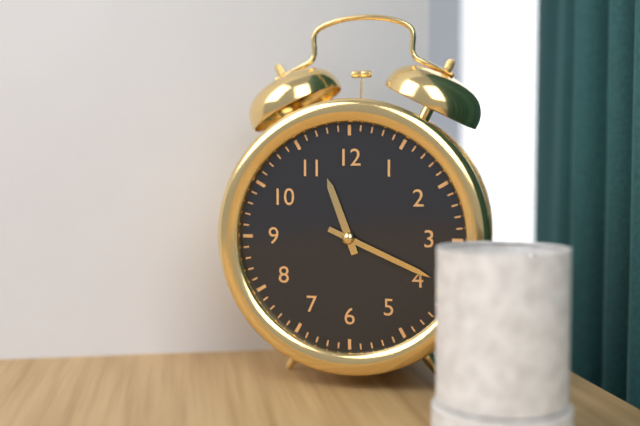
11 h 19 min
